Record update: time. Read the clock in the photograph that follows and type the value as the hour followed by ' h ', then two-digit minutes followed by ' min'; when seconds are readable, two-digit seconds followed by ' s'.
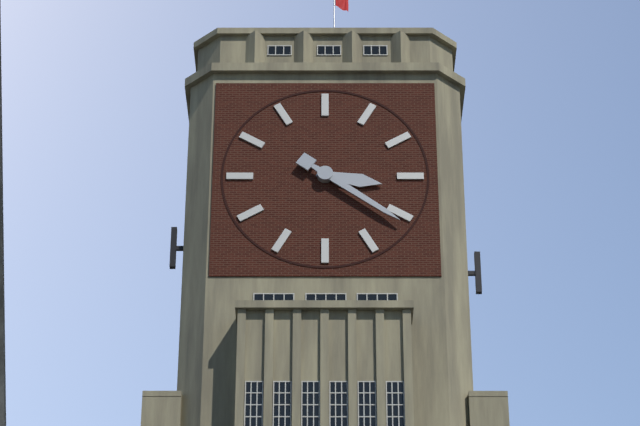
3 h 21 min
